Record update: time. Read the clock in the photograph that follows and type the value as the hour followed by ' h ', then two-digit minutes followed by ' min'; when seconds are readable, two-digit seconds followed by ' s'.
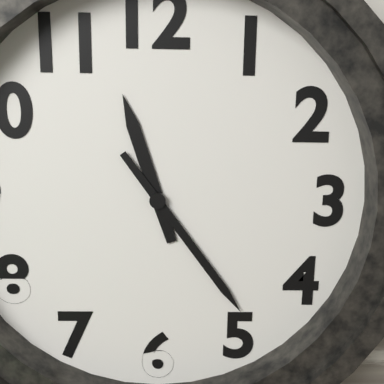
11 h 24 min
